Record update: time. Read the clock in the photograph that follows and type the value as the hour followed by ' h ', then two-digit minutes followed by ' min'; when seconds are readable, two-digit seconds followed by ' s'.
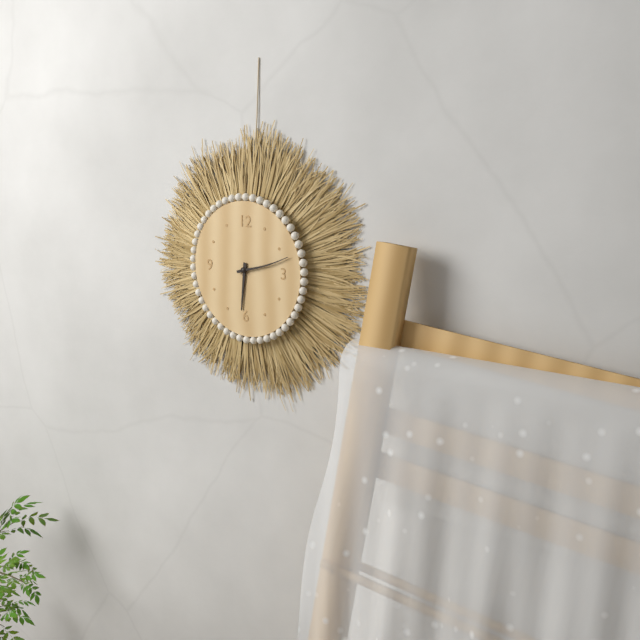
6 h 12 min
